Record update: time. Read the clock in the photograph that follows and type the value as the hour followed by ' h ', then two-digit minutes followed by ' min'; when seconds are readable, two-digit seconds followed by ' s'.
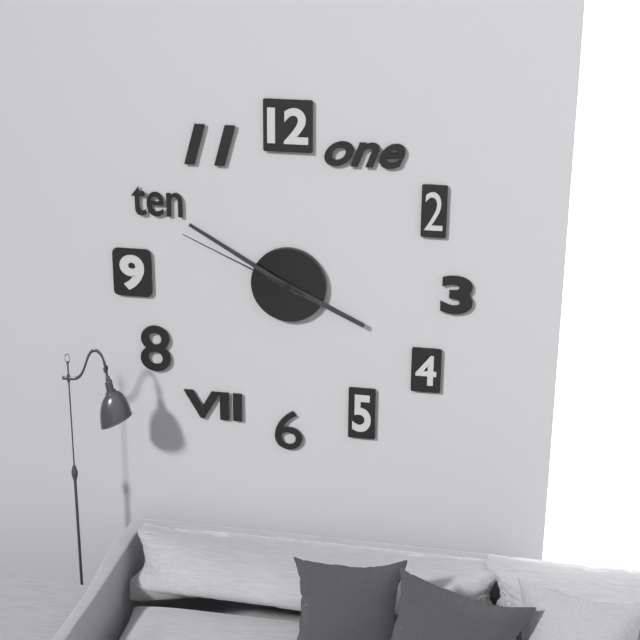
3 h 50 min 49 s
